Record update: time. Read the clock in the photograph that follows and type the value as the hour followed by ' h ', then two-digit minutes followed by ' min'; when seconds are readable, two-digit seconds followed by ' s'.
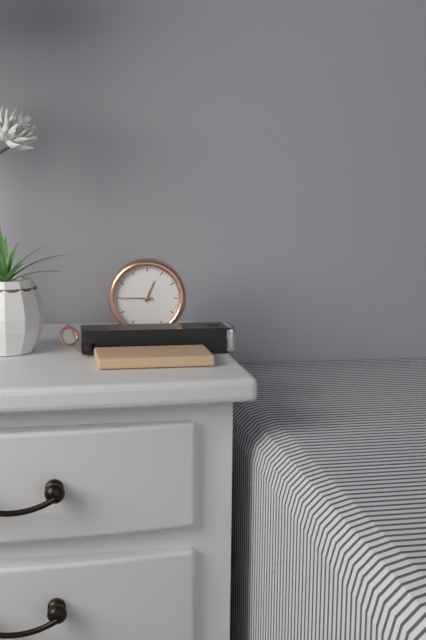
12 h 45 min
